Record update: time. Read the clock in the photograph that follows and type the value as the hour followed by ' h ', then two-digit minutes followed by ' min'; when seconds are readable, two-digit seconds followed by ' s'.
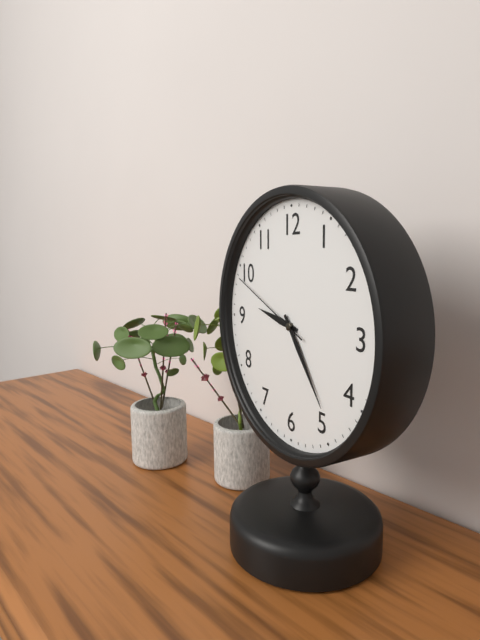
9 h 24 min 49 s
